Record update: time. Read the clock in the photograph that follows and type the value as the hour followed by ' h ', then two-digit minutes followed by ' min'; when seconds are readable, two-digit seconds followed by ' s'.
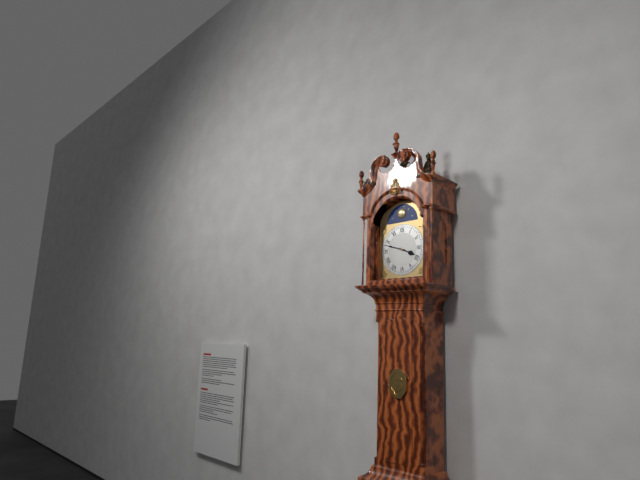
3 h 48 min
